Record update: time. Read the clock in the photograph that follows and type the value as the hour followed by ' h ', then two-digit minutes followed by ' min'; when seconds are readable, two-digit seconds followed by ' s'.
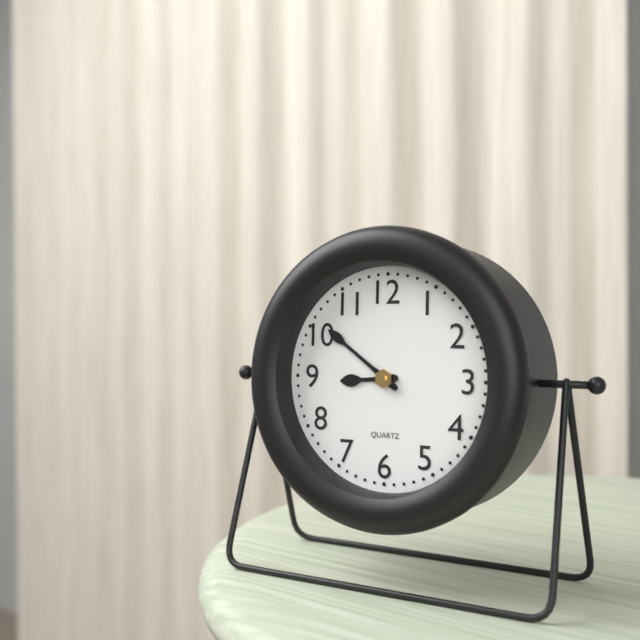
8 h 51 min
